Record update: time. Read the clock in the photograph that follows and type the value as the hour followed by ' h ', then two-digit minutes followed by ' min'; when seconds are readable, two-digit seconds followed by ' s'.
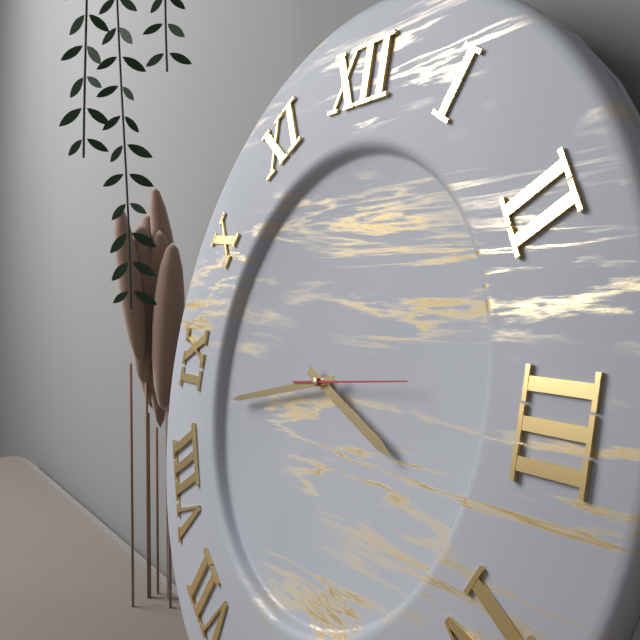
3 h 43 min 14 s
